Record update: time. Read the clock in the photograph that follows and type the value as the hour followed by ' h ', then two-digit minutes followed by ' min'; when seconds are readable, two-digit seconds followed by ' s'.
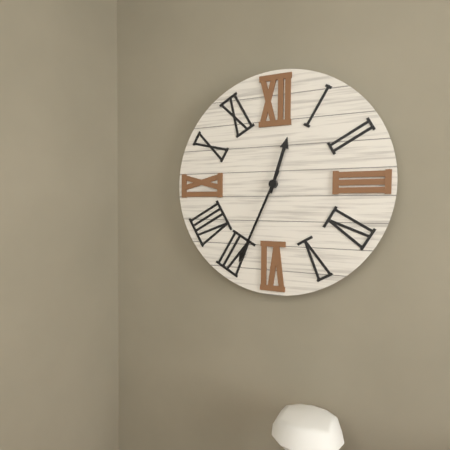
12 h 34 min
